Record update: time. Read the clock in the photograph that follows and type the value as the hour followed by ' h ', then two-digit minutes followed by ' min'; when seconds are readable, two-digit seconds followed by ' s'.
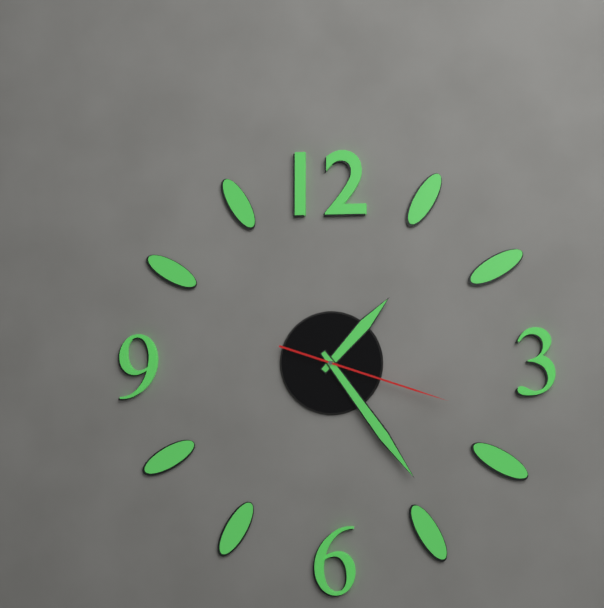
1 h 24 min 18 s
